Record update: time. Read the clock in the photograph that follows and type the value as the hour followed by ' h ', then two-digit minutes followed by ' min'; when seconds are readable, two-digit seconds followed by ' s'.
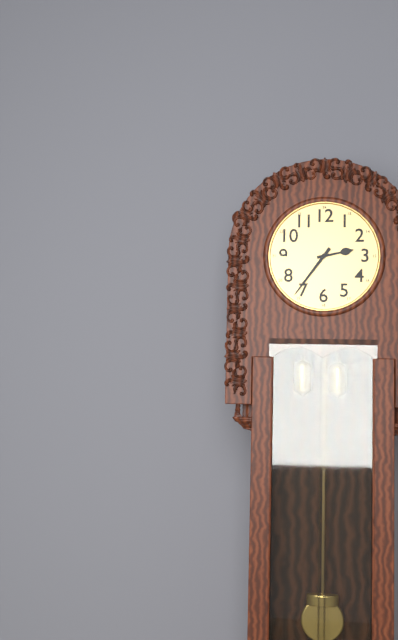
2 h 36 min
